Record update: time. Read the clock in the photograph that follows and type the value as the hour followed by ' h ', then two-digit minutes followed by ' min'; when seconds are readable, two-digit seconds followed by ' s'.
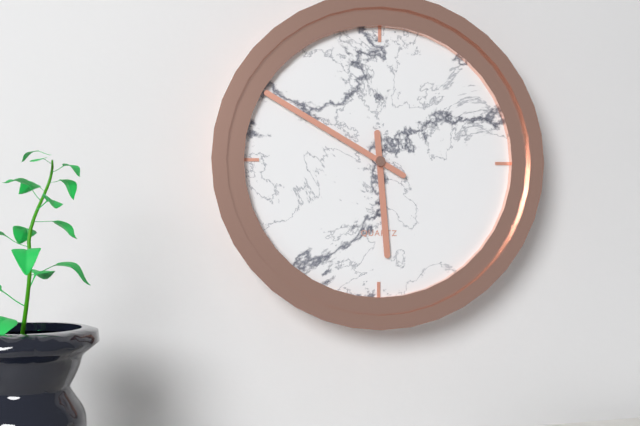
5 h 50 min
